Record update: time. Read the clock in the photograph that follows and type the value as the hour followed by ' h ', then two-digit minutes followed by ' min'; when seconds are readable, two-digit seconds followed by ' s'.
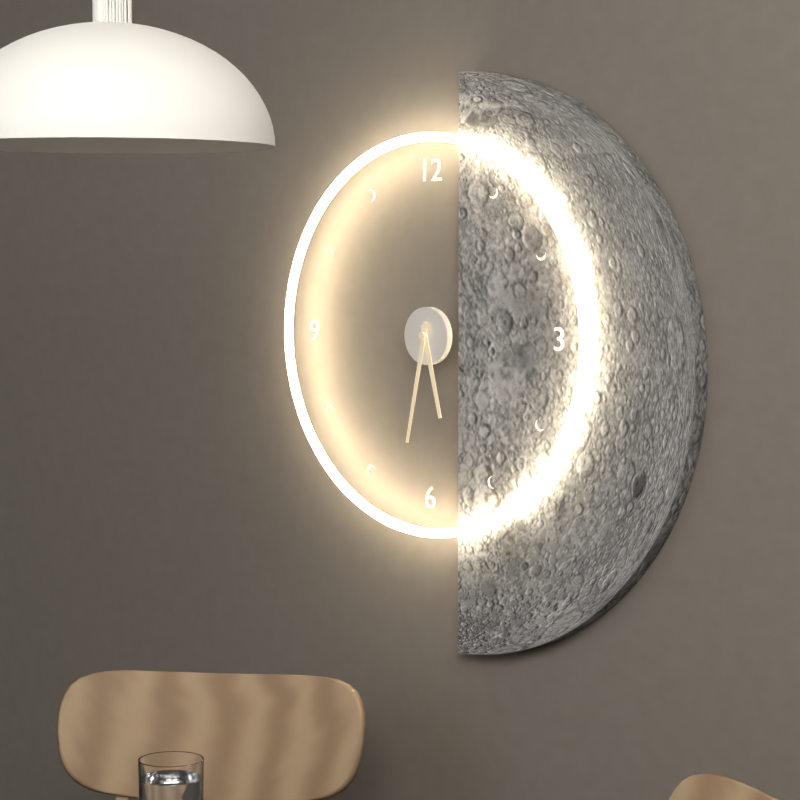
5 h 32 min
